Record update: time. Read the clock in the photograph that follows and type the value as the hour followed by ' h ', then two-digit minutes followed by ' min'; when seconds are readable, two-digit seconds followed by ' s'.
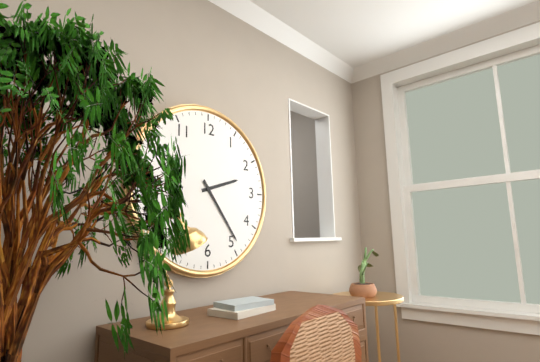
2 h 24 min
